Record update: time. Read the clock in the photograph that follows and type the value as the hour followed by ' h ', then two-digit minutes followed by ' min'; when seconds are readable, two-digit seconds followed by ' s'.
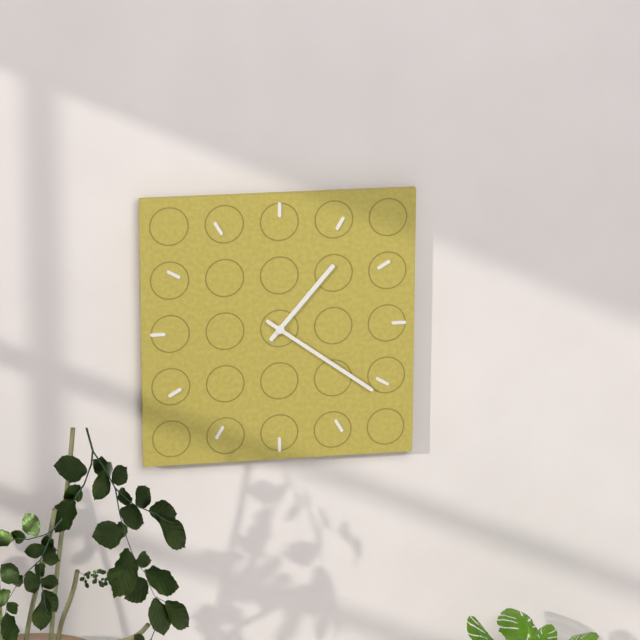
1 h 21 min
